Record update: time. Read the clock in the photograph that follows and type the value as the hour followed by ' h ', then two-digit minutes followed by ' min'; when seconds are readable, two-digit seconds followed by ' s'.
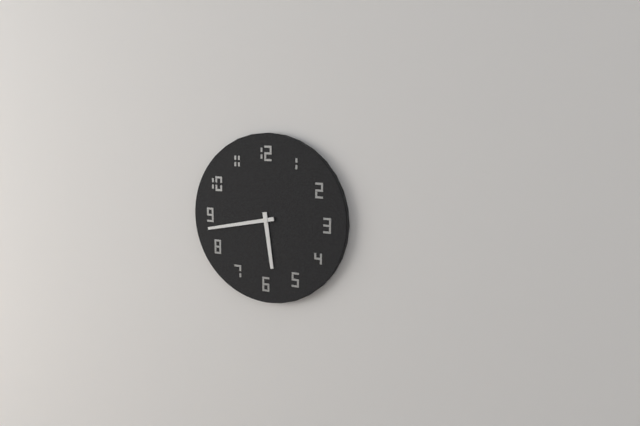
5 h 43 min
